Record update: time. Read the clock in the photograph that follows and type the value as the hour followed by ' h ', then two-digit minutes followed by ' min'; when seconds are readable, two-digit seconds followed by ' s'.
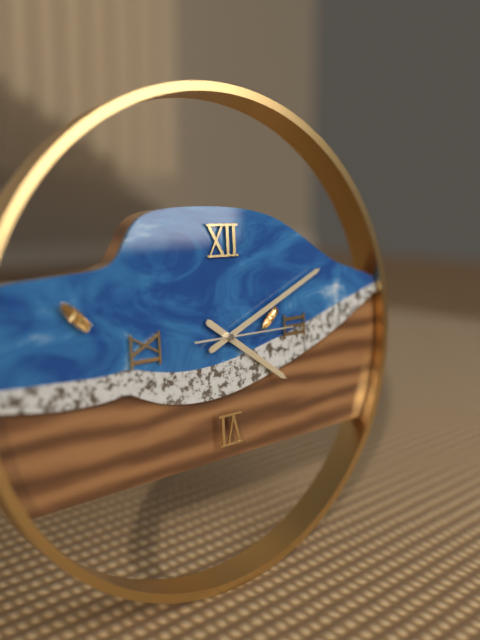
4 h 11 min 15 s
